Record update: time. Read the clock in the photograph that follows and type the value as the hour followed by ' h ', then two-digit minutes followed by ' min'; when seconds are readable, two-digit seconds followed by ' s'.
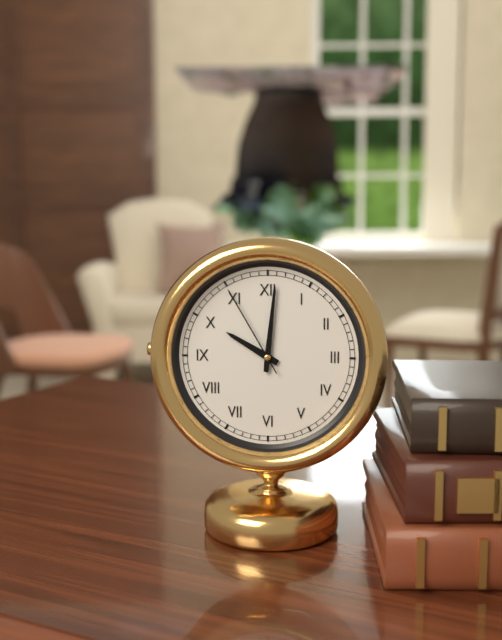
10 h 01 min 55 s
